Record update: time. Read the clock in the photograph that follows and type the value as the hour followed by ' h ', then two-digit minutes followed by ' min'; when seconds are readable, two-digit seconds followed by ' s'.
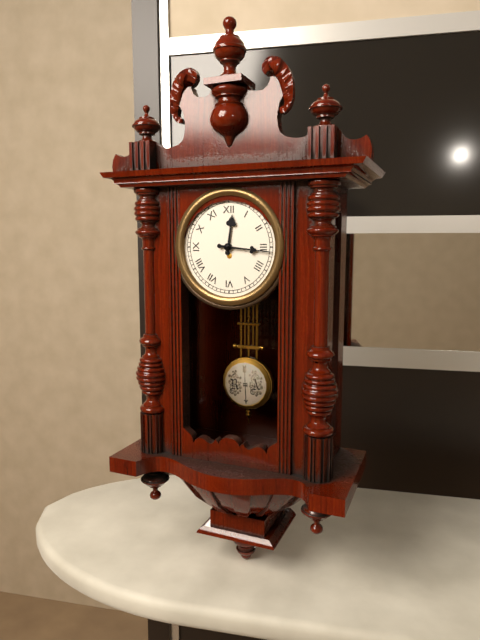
12 h 16 min
